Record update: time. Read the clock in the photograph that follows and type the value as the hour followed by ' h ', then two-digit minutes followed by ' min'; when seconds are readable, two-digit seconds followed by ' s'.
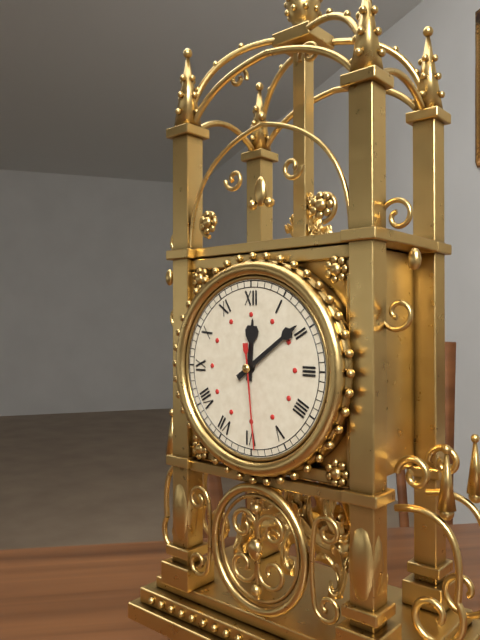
12 h 09 min 29 s
